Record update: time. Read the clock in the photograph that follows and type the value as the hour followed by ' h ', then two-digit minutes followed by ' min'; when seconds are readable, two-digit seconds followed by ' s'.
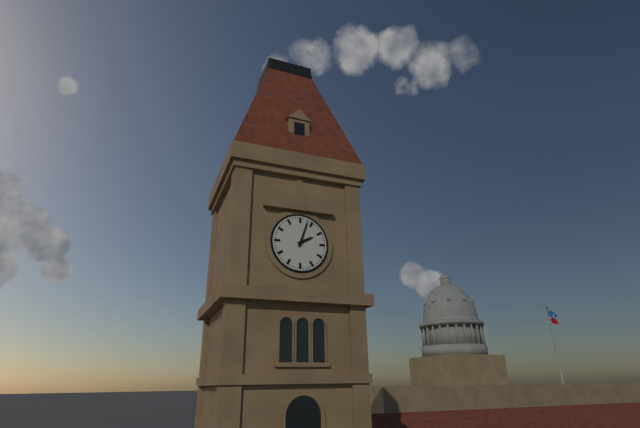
2 h 03 min
